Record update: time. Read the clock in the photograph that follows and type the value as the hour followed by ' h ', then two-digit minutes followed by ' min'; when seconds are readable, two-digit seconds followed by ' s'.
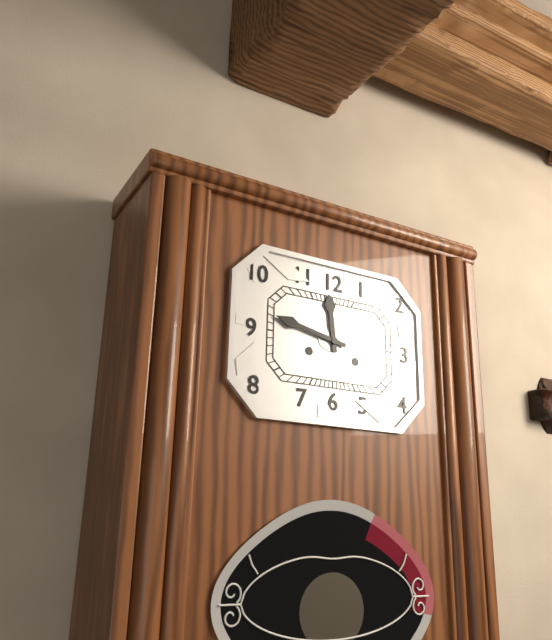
11 h 47 min
